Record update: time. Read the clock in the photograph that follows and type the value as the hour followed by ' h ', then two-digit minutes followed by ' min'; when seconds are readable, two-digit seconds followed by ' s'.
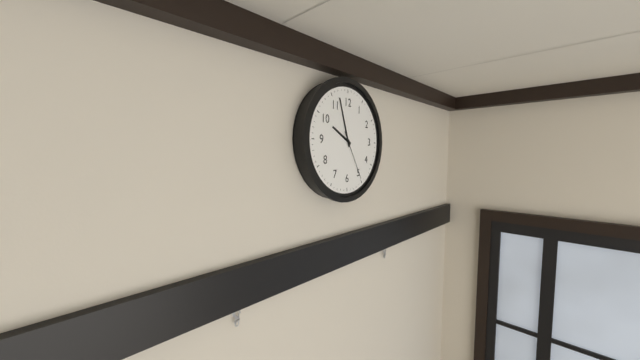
9 h 57 min 25 s
